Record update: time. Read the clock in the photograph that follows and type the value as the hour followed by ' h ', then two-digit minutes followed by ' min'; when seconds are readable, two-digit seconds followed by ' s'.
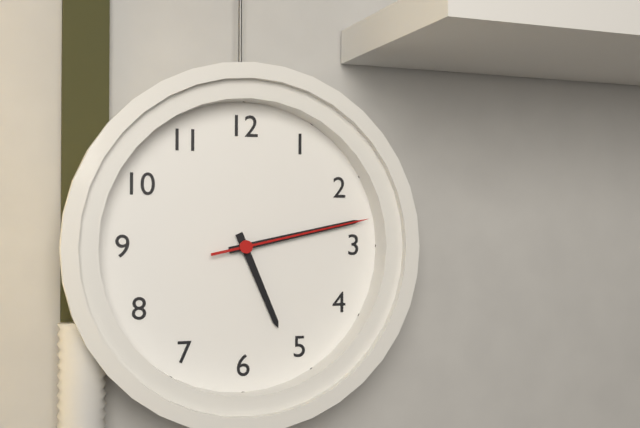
5 h 13 min 13 s
